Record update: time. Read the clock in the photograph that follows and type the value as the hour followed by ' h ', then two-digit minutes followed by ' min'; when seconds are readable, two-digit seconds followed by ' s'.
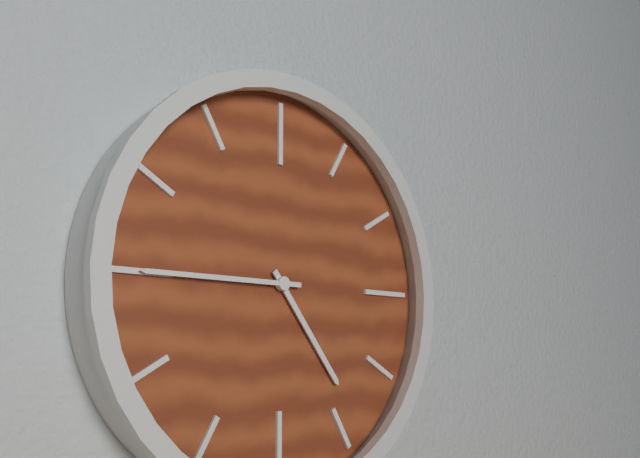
4 h 45 min
